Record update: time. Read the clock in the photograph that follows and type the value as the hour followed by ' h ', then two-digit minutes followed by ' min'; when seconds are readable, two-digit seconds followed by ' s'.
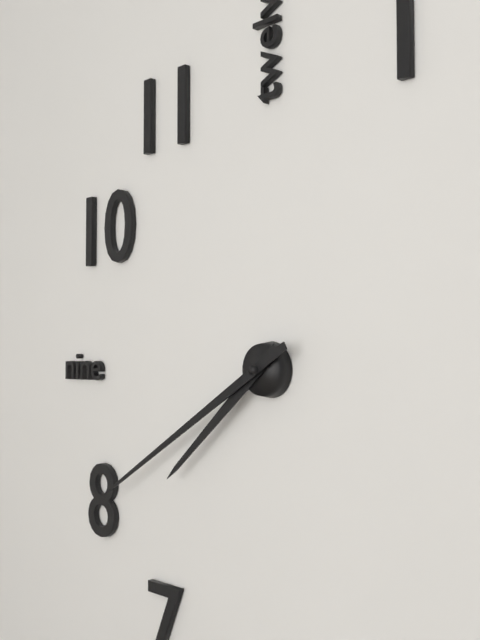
7 h 40 min
